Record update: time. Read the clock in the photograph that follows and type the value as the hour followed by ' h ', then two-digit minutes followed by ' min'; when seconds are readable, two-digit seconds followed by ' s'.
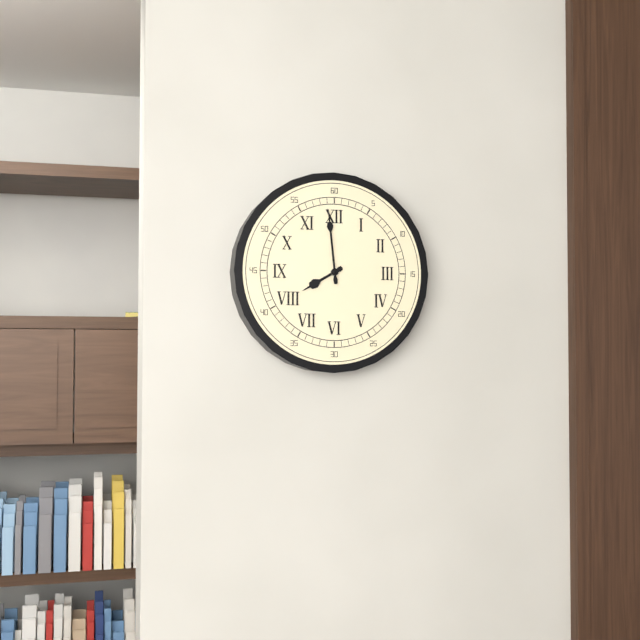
7 h 59 min
